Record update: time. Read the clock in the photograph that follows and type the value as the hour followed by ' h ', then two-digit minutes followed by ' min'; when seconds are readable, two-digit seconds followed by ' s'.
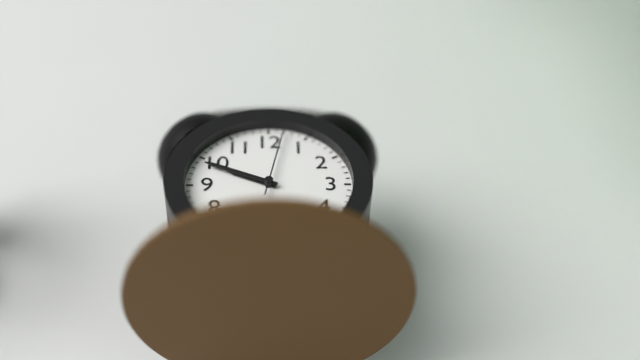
9 h 49 min 02 s
